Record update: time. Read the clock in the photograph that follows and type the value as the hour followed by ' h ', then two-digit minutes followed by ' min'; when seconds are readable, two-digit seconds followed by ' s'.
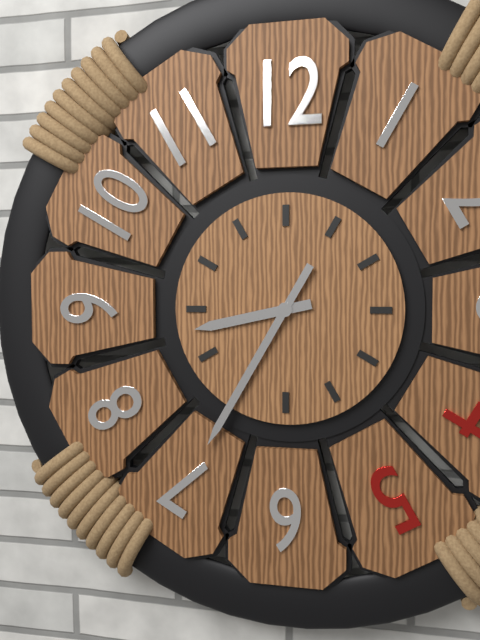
8 h 35 min
